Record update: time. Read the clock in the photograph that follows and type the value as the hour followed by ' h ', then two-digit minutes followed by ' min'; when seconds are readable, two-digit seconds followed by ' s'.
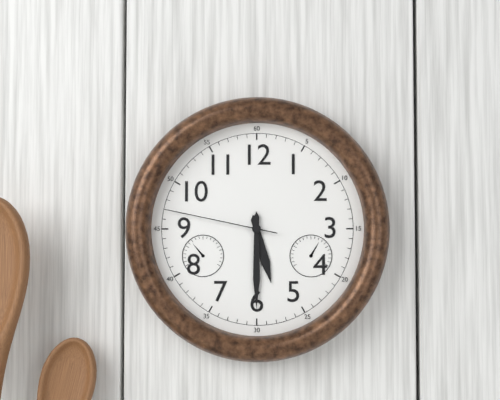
5 h 30 min 47 s
